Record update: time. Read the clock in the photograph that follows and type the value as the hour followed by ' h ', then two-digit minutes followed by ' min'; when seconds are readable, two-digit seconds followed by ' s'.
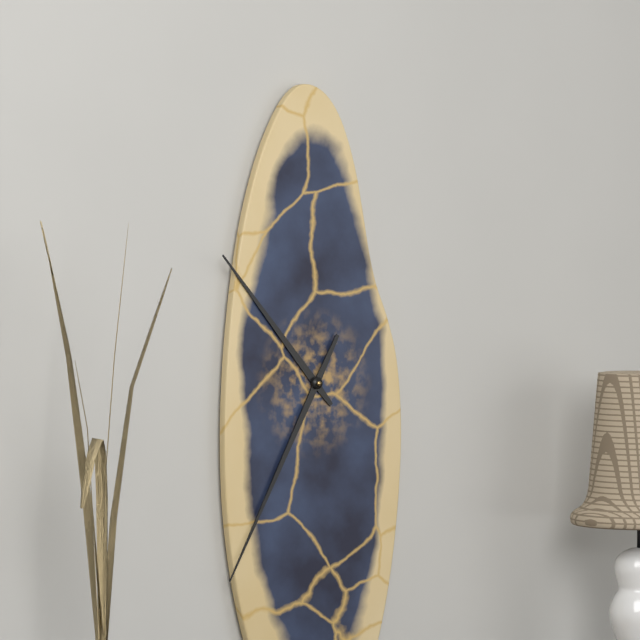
10 h 35 min
